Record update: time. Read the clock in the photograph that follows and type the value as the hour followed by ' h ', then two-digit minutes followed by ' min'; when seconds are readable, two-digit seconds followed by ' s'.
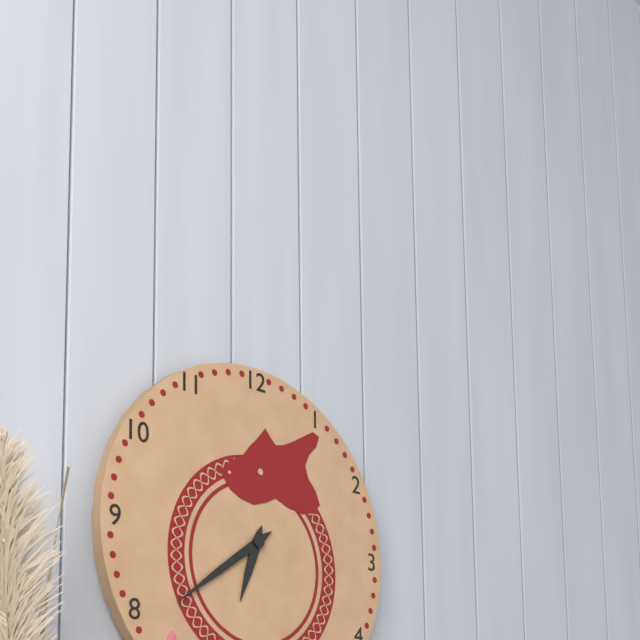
6 h 39 min
